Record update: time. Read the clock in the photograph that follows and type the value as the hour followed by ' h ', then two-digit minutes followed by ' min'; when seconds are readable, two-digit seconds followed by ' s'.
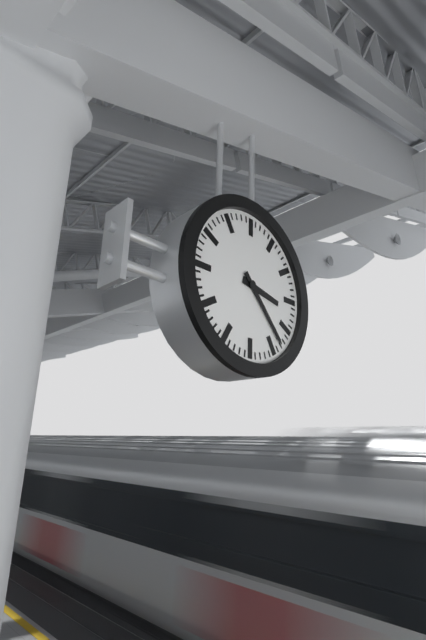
3 h 23 min
